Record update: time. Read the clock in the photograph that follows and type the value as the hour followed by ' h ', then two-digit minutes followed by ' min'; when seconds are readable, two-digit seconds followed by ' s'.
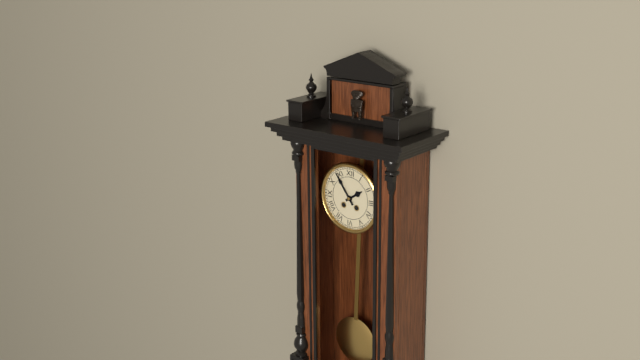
1 h 54 min
